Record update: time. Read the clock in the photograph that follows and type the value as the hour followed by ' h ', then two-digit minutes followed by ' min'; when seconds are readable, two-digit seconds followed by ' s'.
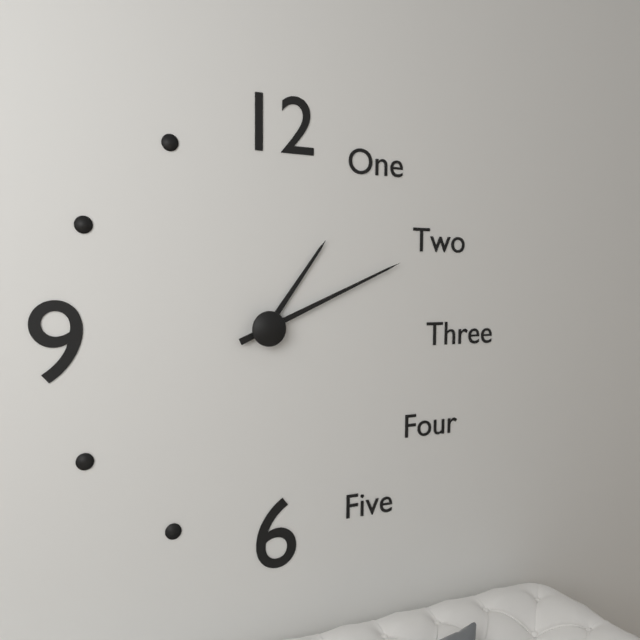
1 h 11 min
